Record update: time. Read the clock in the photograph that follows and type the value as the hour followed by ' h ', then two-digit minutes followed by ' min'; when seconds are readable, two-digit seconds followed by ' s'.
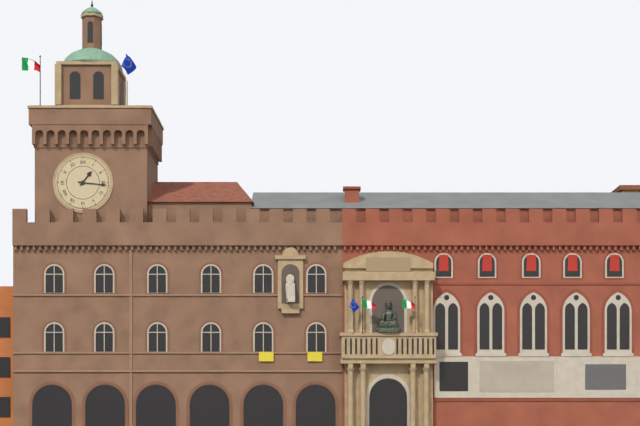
1 h 16 min
